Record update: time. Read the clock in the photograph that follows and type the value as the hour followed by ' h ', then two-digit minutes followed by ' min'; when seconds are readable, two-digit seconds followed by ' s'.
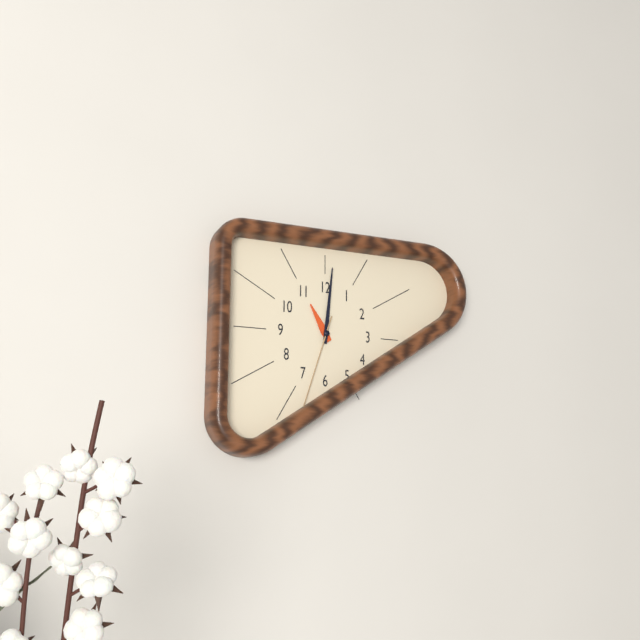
11 h 01 min 33 s
